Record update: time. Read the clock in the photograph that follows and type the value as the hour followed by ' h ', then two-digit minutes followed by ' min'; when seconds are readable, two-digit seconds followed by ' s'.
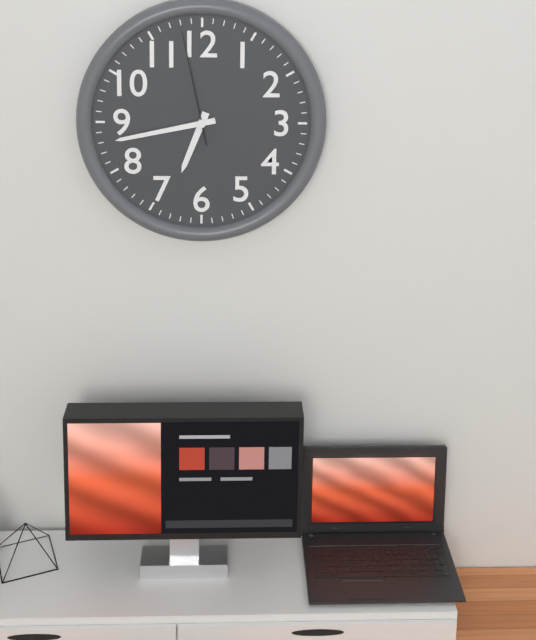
6 h 43 min 58 s
